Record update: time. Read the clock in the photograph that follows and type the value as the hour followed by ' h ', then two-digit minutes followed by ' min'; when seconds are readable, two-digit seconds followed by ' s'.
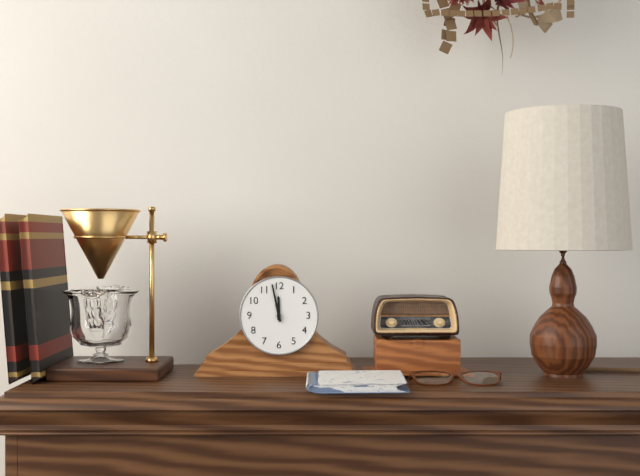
11 h 58 min
